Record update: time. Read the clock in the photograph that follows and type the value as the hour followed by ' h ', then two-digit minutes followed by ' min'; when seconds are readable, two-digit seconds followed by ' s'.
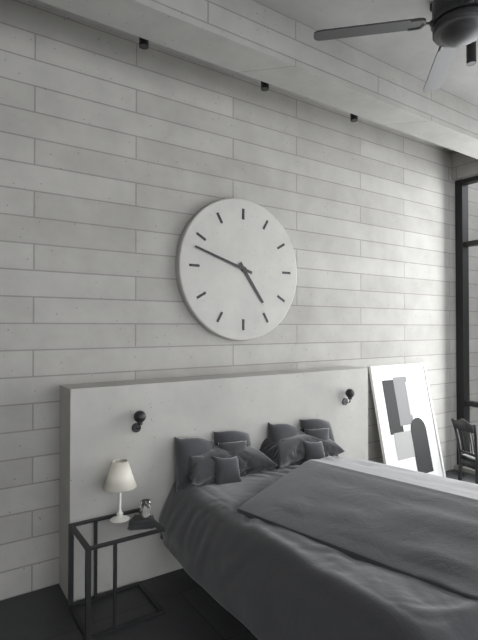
4 h 48 min
